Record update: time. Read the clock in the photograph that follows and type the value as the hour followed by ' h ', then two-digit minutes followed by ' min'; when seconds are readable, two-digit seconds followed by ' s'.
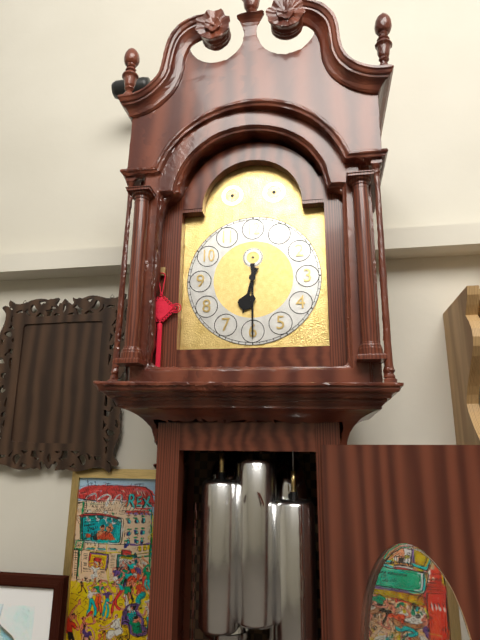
6 h 30 min
